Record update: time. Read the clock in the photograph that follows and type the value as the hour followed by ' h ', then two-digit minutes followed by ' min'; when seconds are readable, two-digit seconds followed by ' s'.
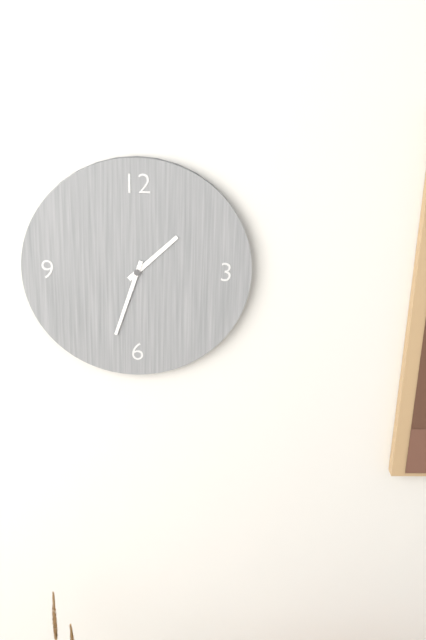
1 h 33 min
